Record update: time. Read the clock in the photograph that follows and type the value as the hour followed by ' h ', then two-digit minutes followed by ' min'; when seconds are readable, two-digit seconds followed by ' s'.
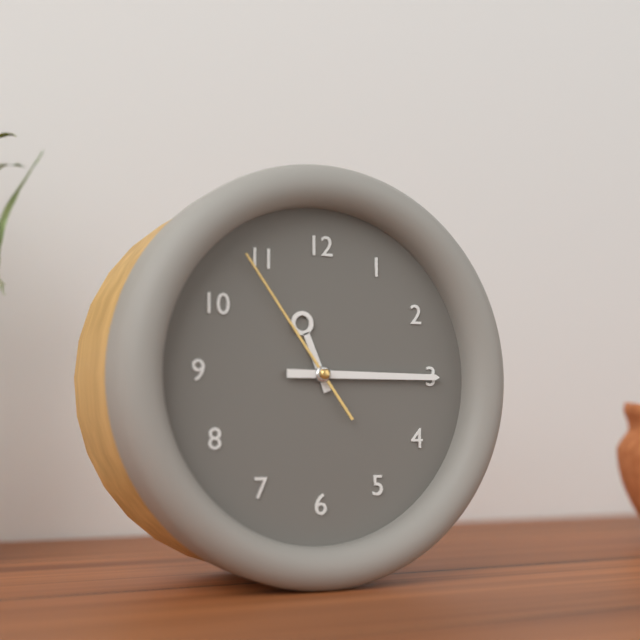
11 h 15 min 54 s
